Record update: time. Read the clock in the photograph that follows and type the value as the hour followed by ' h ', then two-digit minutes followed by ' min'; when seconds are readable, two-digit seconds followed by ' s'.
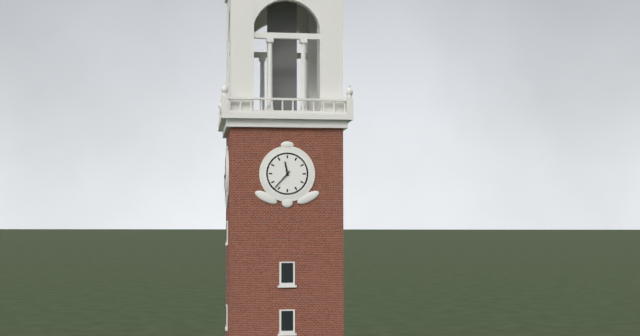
11 h 37 min
